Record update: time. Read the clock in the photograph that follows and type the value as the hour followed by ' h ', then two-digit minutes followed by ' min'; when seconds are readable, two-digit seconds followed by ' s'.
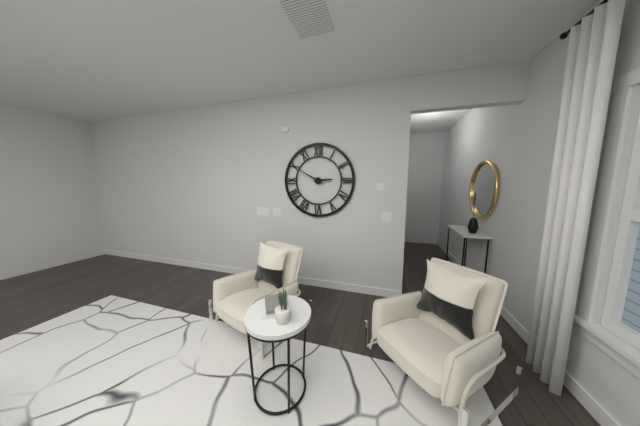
2 h 50 min
